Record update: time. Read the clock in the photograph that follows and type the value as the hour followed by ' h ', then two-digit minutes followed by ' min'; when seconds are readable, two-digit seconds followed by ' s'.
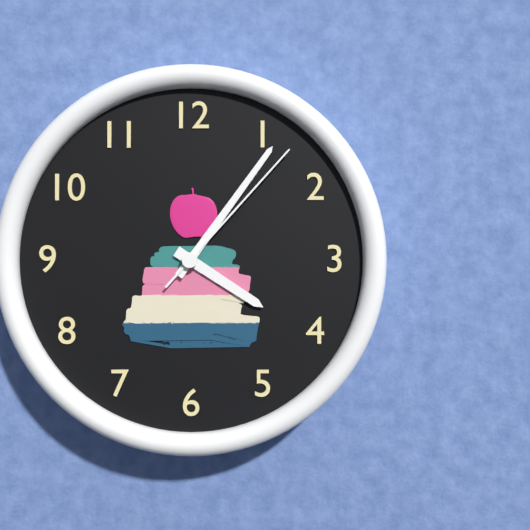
4 h 06 min 07 s
